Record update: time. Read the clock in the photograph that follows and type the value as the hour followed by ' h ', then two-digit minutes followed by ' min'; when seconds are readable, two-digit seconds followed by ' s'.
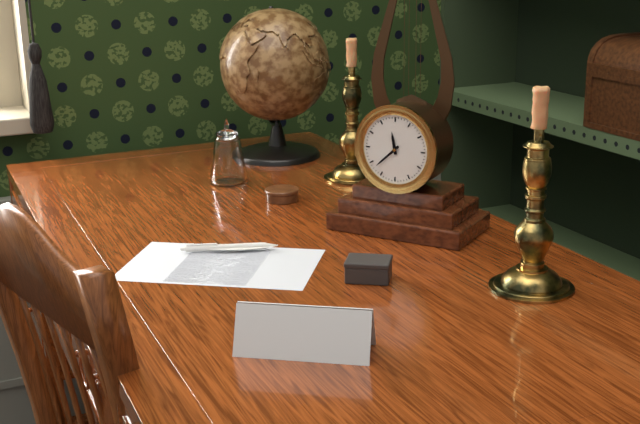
11 h 38 min
